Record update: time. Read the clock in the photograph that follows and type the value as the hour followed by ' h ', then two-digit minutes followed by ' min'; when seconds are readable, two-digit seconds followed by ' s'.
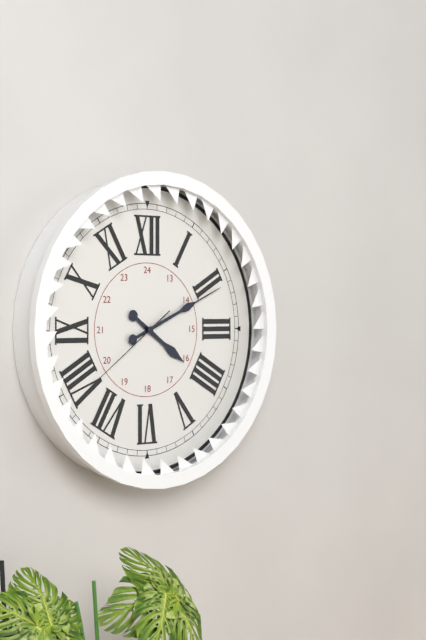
4 h 11 min 39 s
